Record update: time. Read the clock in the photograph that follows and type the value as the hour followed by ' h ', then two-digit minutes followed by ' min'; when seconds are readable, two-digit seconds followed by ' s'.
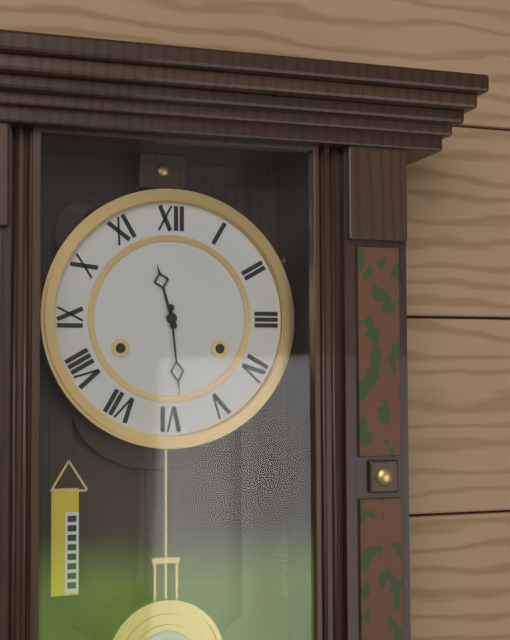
11 h 29 min
